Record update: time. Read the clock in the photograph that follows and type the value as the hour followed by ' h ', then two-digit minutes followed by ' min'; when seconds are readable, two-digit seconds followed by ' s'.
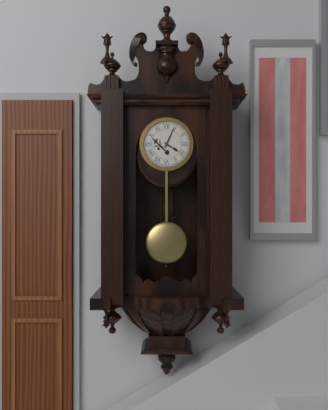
4 h 04 min
